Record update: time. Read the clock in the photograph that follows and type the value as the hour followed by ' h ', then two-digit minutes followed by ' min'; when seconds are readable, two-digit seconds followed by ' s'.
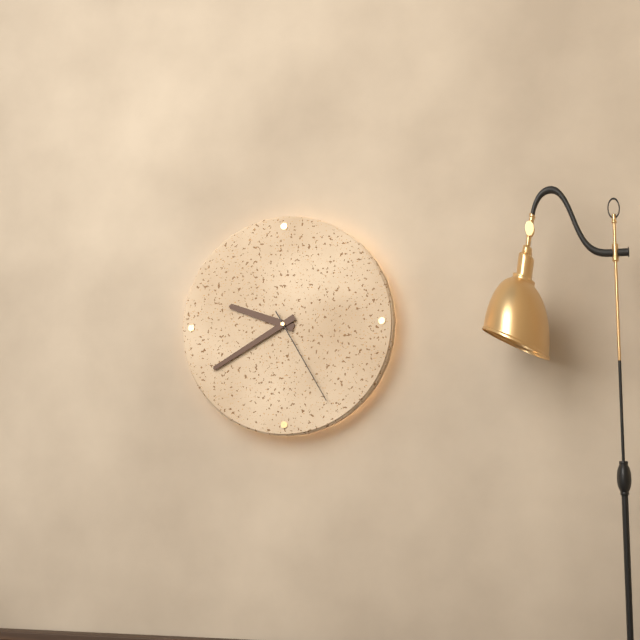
9 h 40 min 25 s
